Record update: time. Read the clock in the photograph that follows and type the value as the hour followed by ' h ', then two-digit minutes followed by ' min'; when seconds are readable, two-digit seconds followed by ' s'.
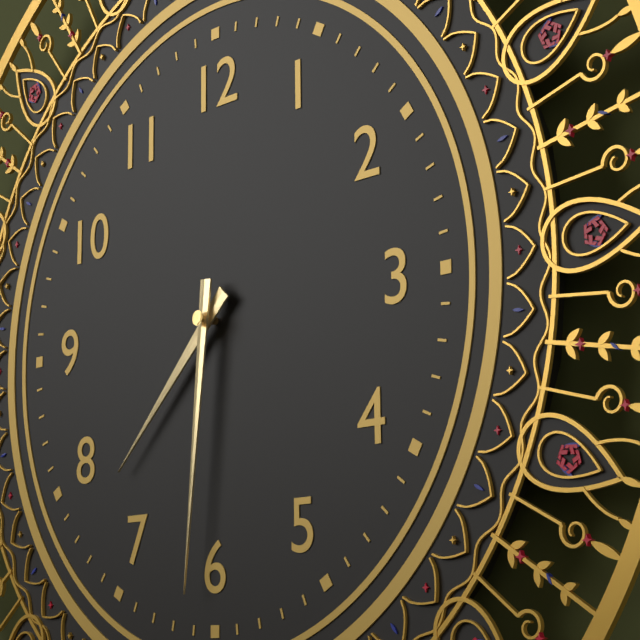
7 h 31 min
